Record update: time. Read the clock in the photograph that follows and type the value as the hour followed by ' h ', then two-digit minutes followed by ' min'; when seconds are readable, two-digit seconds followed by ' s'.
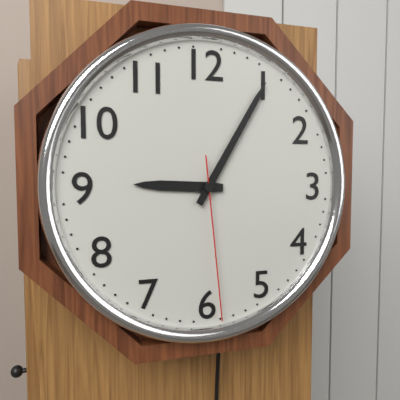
9 h 05 min 29 s
